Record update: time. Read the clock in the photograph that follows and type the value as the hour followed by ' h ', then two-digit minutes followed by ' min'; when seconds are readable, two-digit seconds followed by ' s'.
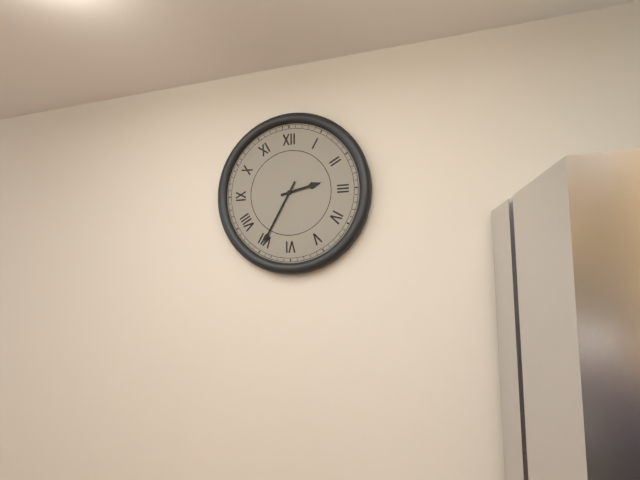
2 h 35 min
